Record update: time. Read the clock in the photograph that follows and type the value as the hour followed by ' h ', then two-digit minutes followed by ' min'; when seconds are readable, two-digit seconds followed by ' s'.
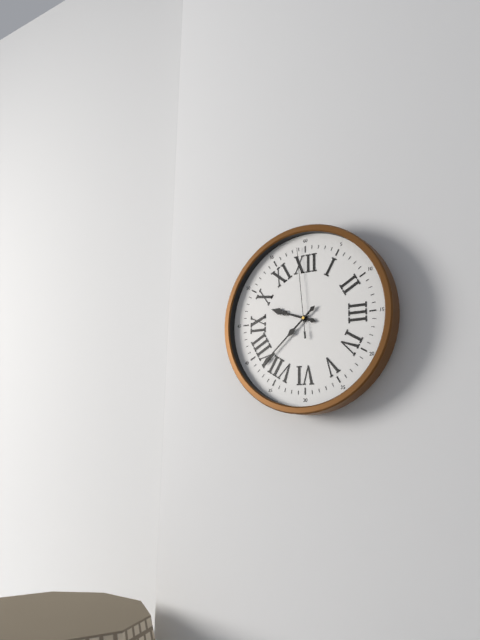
9 h 38 min 59 s
